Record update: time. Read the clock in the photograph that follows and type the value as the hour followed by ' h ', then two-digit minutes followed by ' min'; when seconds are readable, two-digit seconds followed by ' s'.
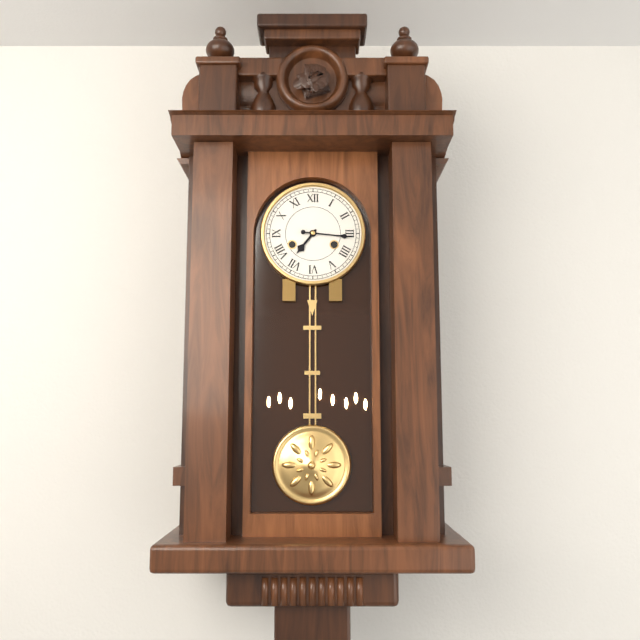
7 h 16 min
